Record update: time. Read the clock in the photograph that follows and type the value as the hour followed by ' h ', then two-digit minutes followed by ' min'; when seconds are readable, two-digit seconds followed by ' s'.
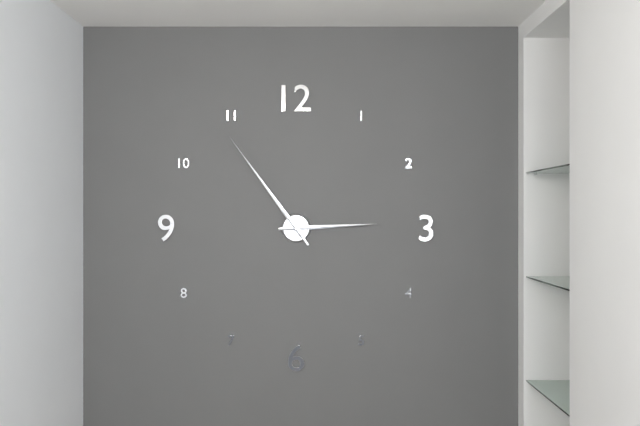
2 h 54 min
